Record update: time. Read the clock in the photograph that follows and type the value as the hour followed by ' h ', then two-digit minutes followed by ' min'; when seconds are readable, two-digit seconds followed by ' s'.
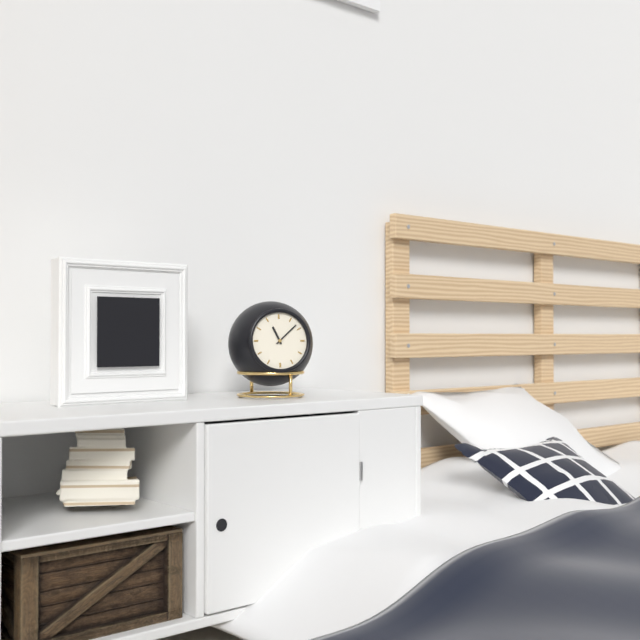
11 h 08 min
